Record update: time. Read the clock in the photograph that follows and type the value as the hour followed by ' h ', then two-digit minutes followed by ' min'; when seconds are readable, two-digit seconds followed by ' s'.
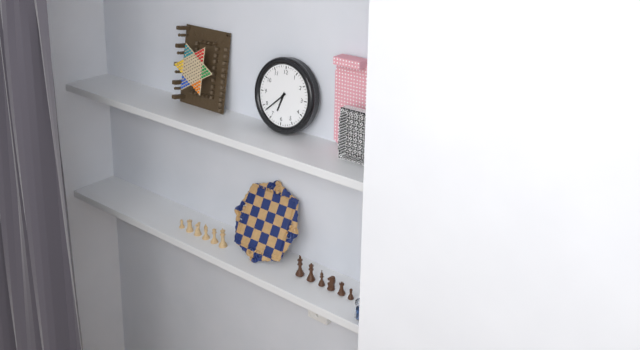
6 h 38 min
